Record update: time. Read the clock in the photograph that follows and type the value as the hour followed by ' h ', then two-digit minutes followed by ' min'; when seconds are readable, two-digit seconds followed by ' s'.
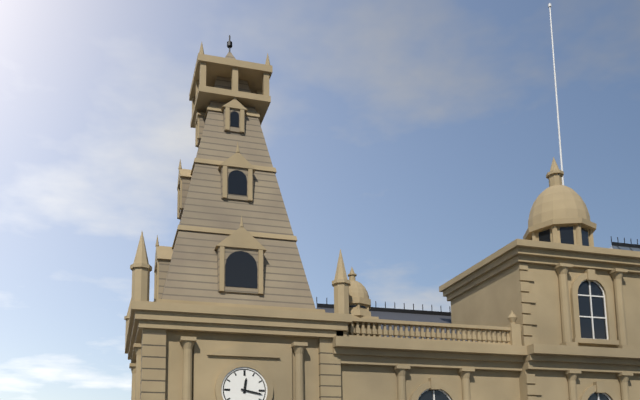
12 h 17 min
